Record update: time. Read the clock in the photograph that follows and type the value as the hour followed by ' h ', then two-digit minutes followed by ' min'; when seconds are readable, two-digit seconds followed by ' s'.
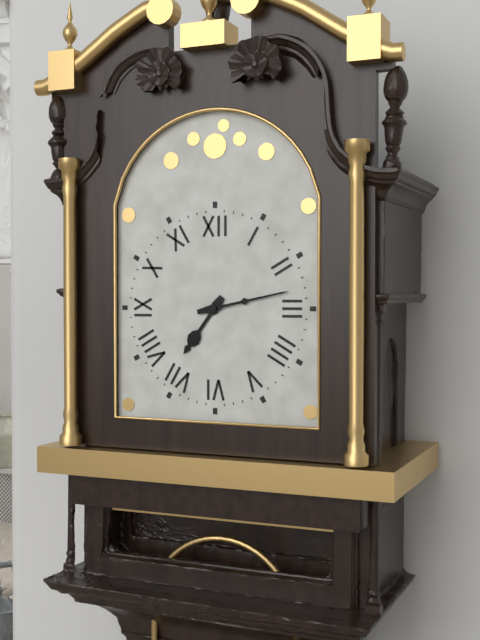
7 h 13 min
